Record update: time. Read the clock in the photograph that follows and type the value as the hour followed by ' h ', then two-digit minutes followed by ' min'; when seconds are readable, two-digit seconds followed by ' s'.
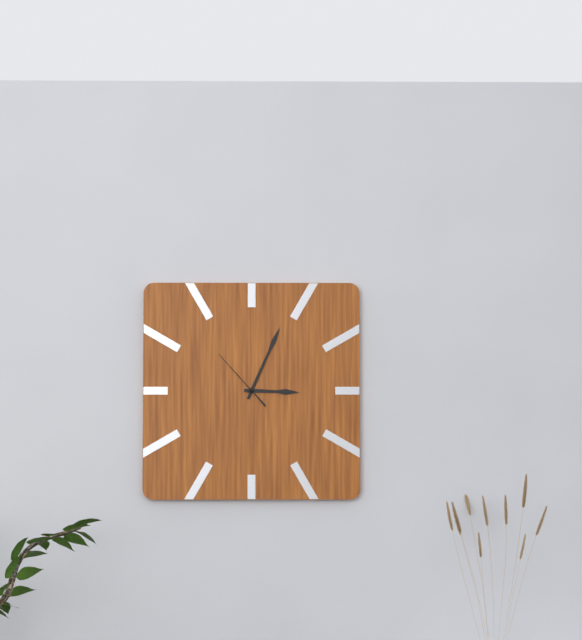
3 h 04 min 53 s
